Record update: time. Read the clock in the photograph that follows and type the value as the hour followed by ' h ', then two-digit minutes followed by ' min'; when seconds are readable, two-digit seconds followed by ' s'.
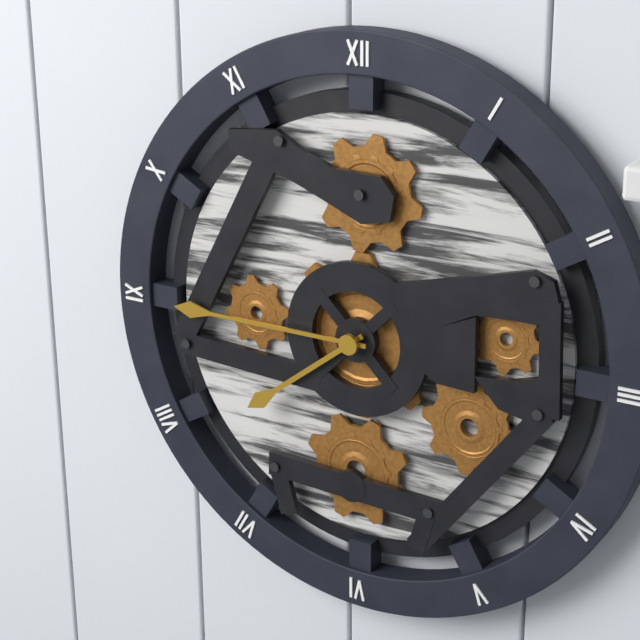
7 h 45 min
